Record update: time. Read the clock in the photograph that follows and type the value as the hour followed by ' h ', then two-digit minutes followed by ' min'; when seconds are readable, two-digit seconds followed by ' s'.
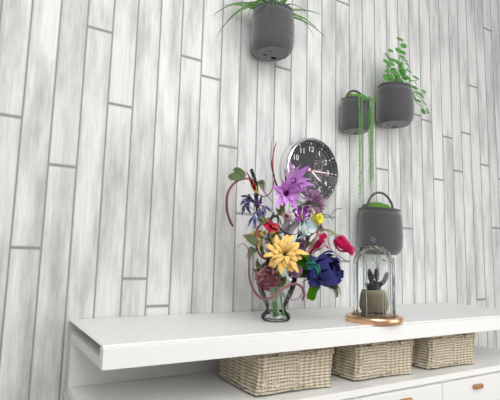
4 h 15 min
